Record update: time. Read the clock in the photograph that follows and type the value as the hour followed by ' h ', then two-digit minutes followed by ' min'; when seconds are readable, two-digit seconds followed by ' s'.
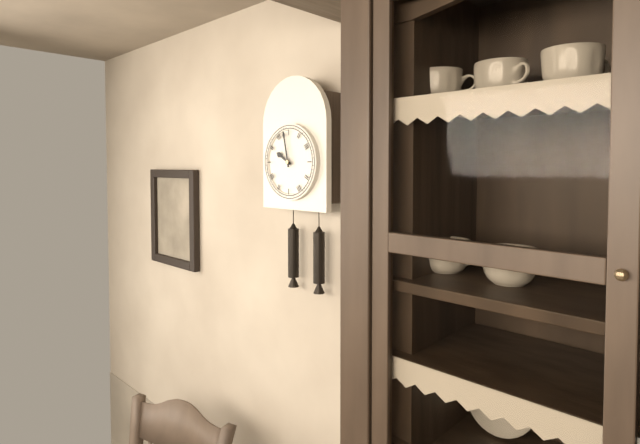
9 h 58 min
